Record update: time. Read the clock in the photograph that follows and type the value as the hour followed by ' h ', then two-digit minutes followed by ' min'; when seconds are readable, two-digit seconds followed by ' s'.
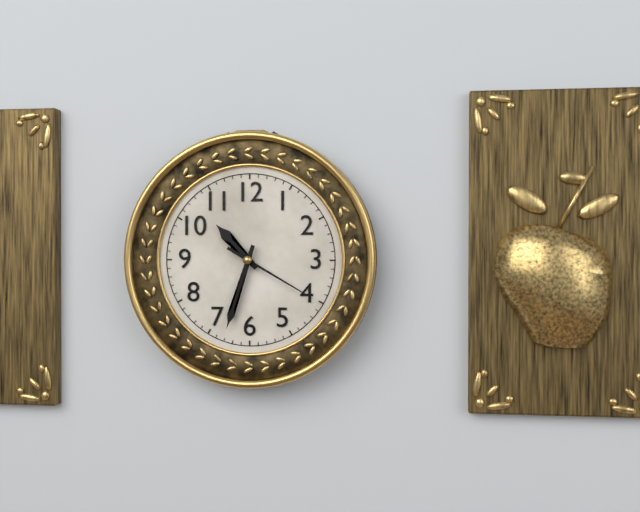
10 h 33 min 20 s
